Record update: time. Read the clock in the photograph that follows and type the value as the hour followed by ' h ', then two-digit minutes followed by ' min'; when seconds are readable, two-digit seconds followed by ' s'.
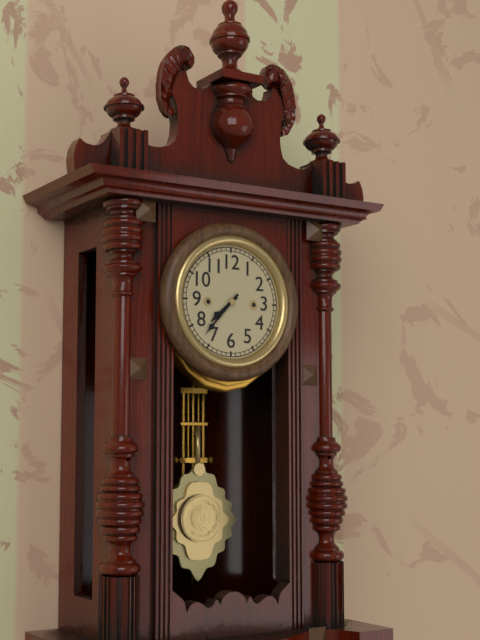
7 h 37 min
